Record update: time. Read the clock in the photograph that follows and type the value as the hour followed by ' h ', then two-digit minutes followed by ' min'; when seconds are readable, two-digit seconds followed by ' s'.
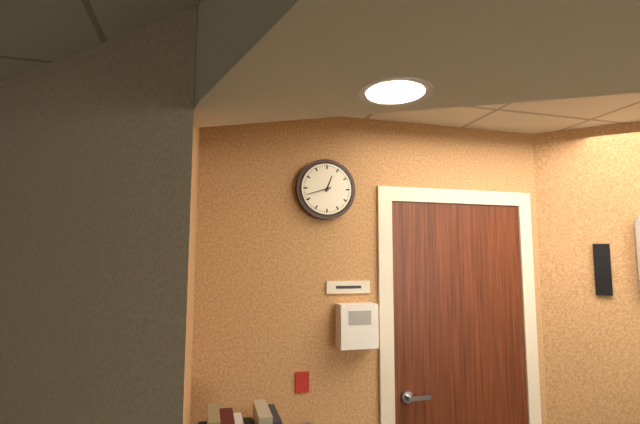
12 h 42 min
